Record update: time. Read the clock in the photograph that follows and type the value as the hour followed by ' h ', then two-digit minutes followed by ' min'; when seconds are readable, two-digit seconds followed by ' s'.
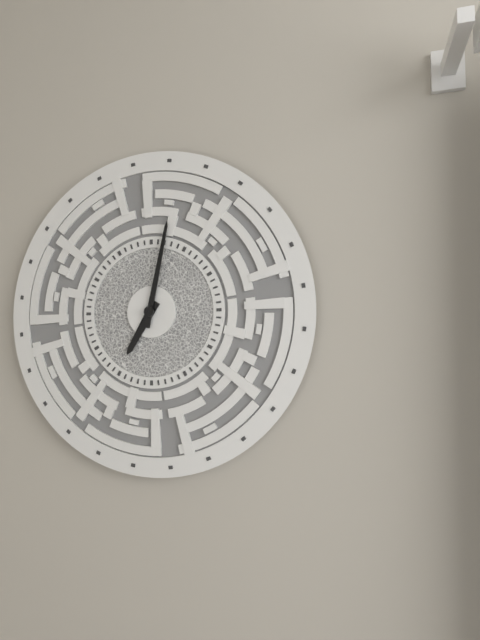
7 h 02 min
